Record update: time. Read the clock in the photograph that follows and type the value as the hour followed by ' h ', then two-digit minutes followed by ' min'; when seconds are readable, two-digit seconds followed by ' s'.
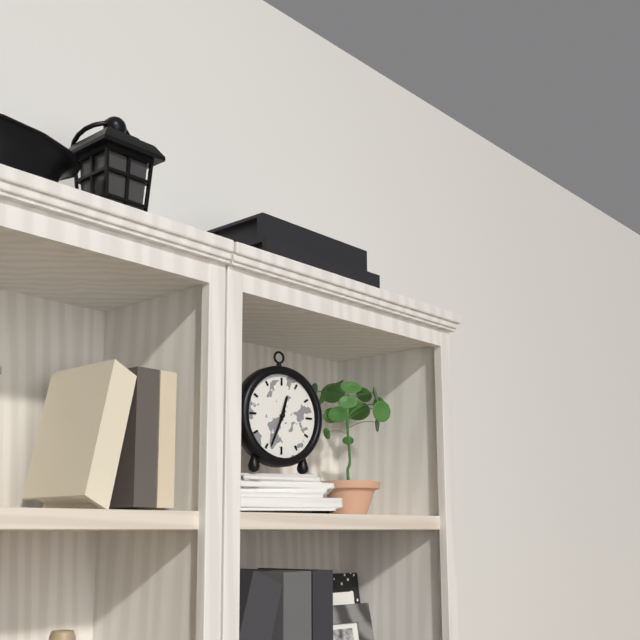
12 h 34 min
